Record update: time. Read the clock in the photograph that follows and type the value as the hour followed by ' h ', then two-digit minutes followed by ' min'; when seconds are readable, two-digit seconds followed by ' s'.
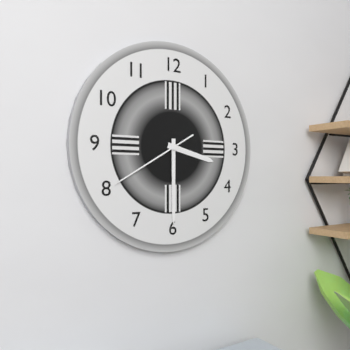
3 h 30 min 40 s
